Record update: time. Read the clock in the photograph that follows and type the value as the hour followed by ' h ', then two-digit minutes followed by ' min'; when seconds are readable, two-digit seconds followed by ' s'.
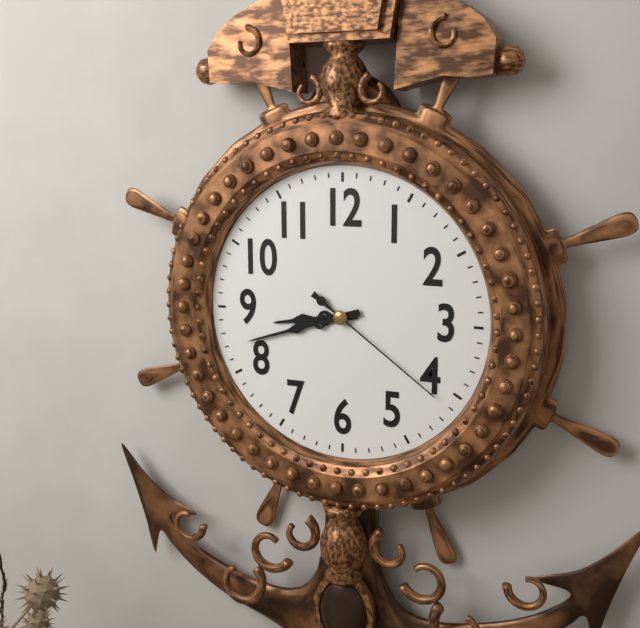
8 h 42 min 21 s
